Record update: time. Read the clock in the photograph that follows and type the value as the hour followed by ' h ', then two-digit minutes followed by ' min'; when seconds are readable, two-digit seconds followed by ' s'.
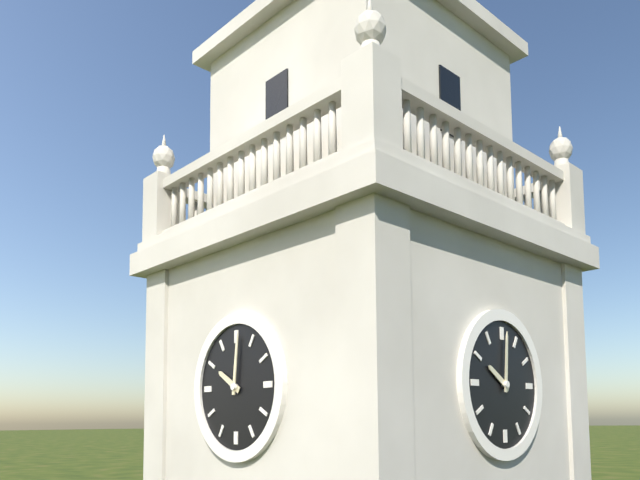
10 h 01 min
